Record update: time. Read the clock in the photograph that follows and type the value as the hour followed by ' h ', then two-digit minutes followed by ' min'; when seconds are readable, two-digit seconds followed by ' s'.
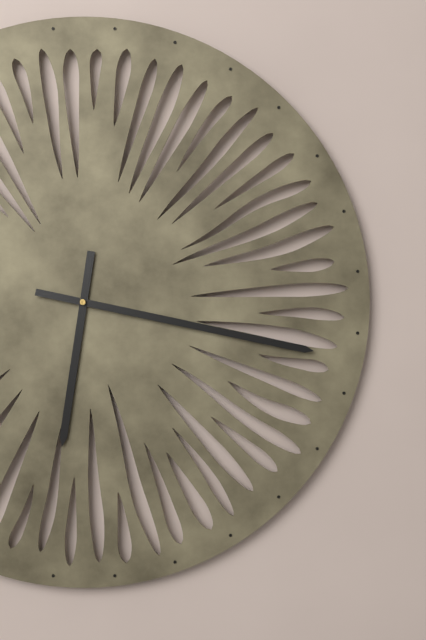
6 h 17 min
